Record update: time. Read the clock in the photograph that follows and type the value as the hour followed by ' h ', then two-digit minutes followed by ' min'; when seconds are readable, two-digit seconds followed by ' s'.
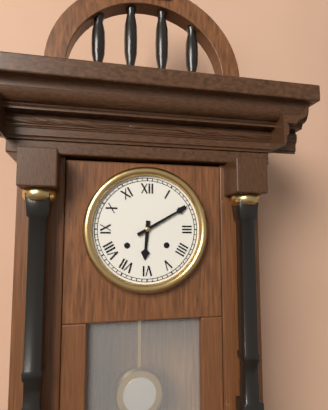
6 h 10 min
